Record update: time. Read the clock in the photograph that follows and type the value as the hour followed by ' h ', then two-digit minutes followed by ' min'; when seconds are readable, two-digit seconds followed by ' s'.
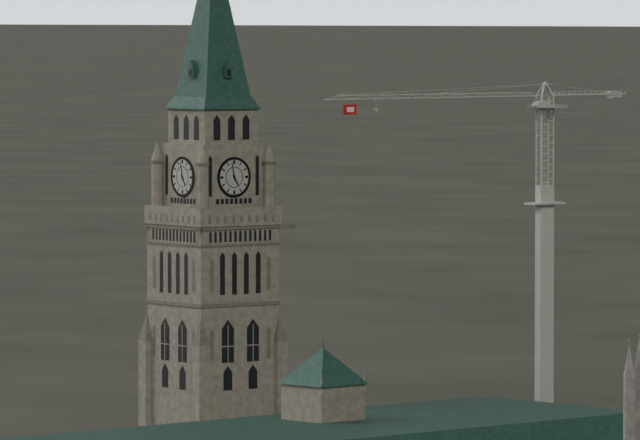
4 h 58 min
